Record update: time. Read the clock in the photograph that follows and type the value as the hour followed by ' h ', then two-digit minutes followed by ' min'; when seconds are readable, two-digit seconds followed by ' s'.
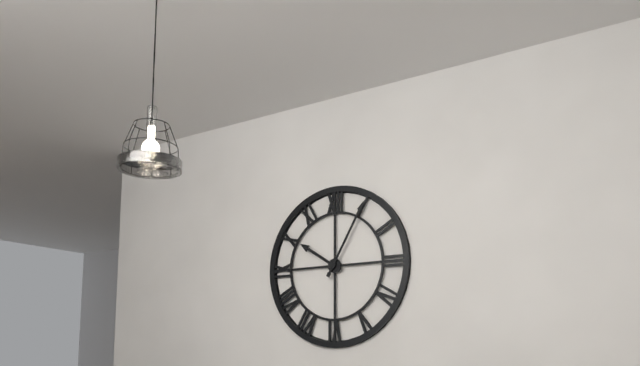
10 h 05 min
